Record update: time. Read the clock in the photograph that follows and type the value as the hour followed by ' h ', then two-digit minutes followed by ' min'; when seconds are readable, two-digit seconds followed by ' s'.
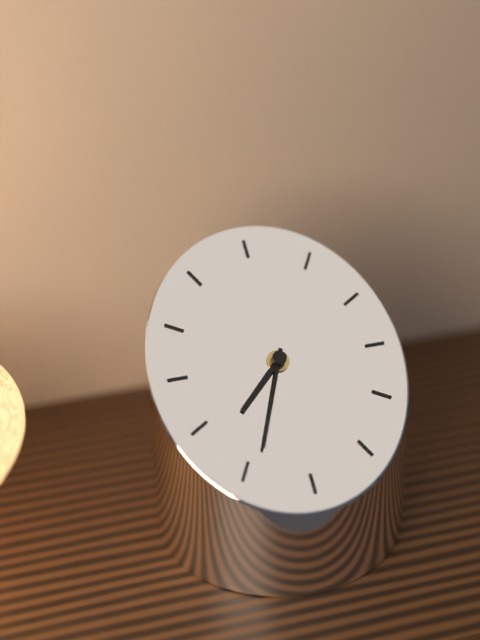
7 h 34 min
